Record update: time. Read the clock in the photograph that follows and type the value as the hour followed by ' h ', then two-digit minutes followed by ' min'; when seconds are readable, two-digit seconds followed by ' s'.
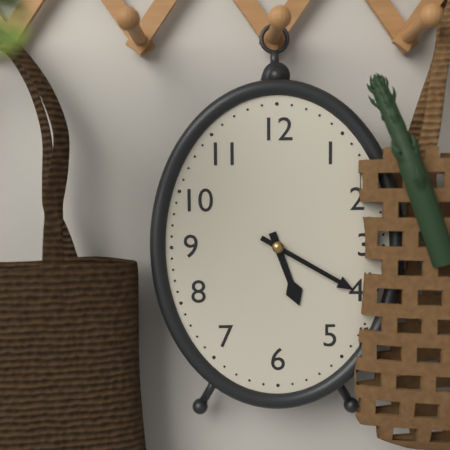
5 h 20 min
